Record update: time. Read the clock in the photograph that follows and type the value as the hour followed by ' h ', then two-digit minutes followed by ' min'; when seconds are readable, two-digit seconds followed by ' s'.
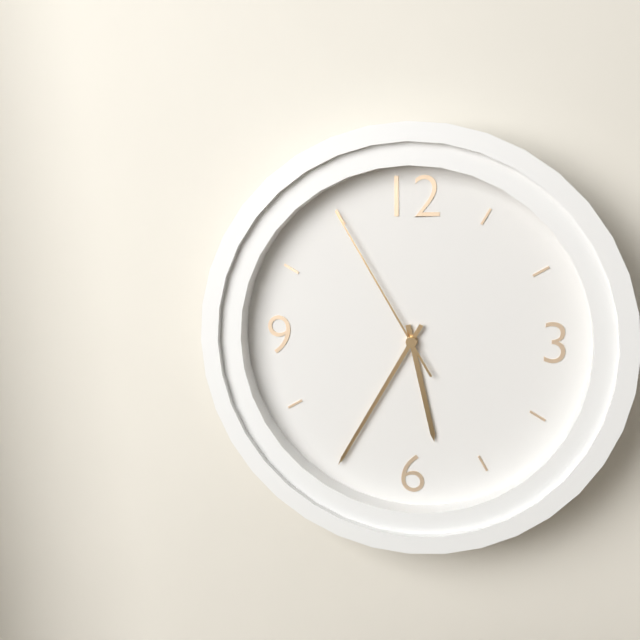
5 h 35 min 55 s
